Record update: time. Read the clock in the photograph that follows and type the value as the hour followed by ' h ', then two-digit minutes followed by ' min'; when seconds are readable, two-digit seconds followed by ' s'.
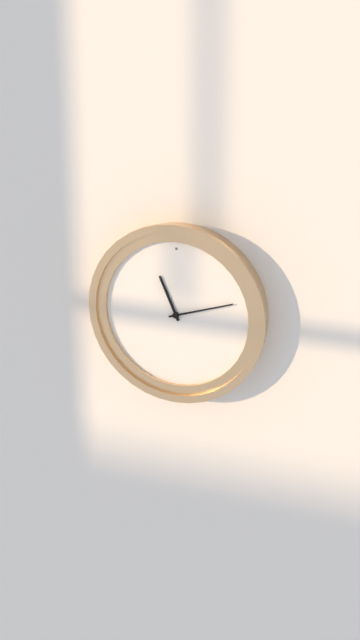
11 h 12 min
